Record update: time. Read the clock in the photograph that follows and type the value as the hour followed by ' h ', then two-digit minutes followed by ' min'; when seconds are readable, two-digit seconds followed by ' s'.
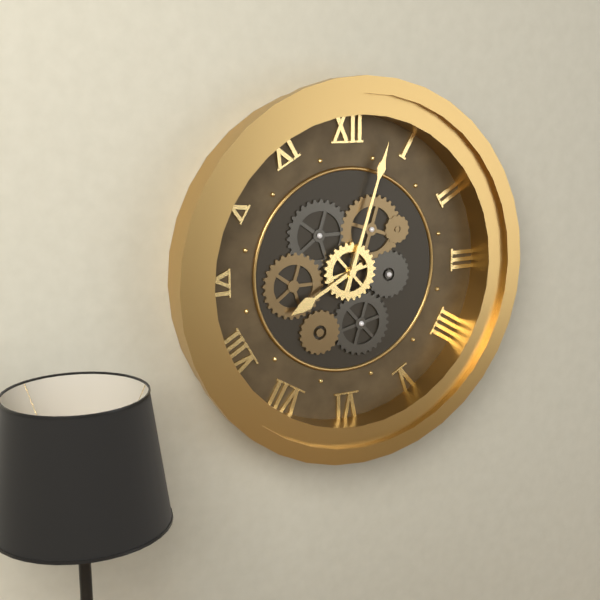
8 h 03 min
